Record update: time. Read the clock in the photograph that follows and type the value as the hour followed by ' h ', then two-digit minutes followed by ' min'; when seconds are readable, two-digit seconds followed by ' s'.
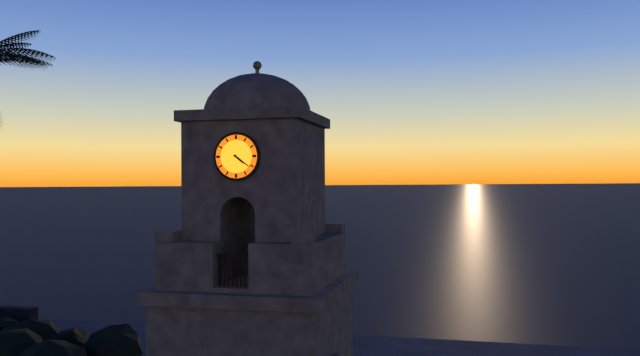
4 h 21 min
